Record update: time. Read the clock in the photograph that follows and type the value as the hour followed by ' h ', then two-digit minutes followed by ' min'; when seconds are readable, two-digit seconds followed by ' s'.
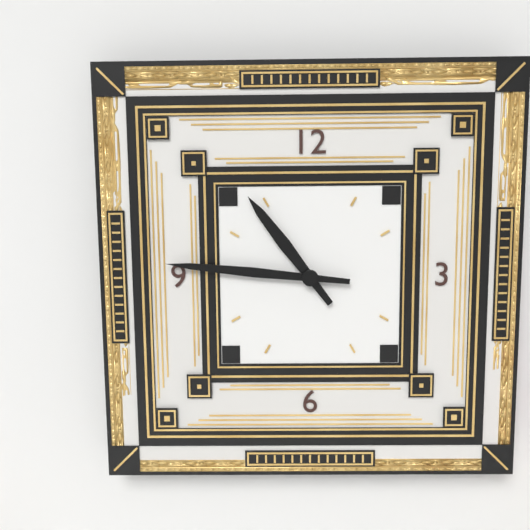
10 h 46 min
